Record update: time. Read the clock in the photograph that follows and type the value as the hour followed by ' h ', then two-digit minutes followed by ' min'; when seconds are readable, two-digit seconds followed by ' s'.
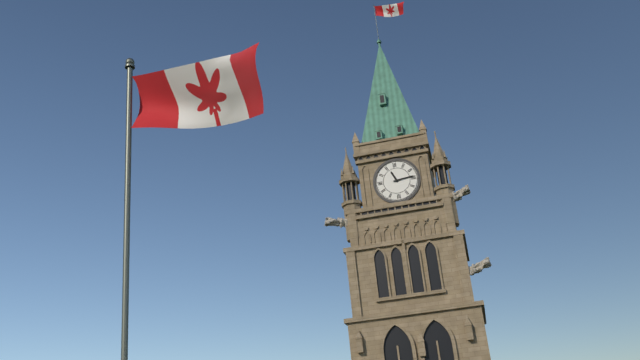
11 h 14 min
